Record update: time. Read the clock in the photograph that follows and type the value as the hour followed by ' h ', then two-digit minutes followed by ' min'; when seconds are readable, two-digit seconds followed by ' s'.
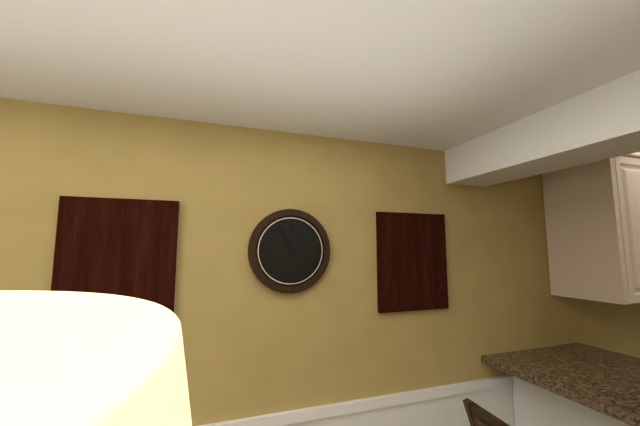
11 h 56 min
